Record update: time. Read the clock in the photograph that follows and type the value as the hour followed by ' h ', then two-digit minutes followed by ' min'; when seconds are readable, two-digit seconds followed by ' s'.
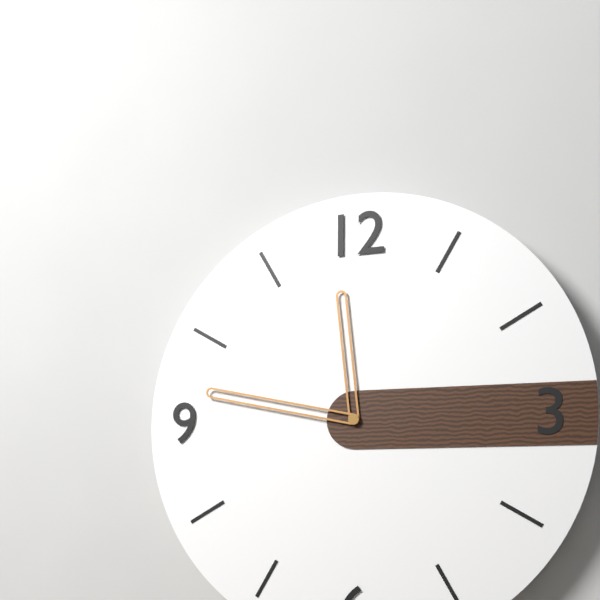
11 h 47 min
